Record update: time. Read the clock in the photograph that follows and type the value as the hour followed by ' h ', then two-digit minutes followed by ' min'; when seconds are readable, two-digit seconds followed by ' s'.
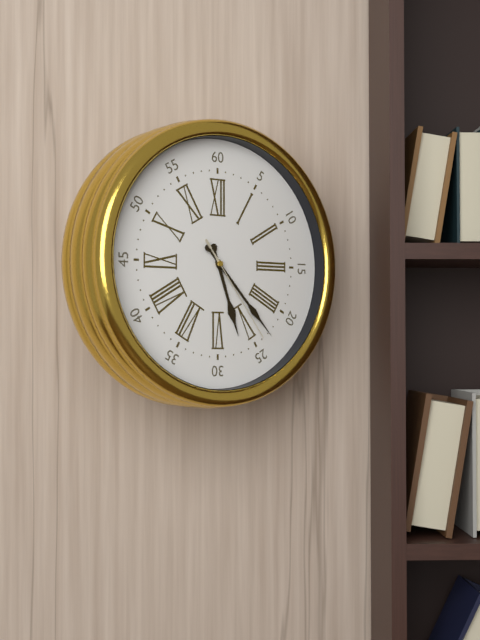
5 h 23 min 24 s
